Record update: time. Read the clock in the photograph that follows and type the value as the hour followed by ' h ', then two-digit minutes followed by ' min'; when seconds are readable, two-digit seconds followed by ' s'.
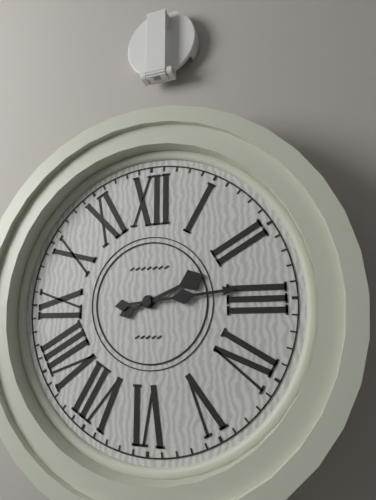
2 h 14 min
